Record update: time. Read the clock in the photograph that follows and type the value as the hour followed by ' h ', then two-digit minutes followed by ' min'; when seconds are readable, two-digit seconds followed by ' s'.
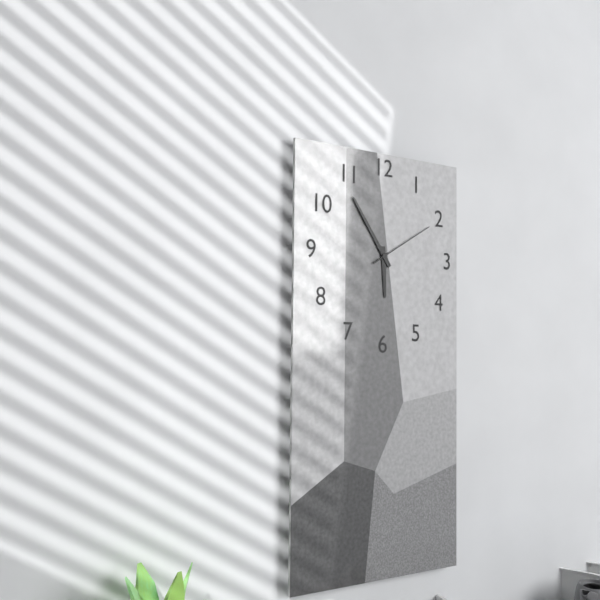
5 h 54 min 10 s
